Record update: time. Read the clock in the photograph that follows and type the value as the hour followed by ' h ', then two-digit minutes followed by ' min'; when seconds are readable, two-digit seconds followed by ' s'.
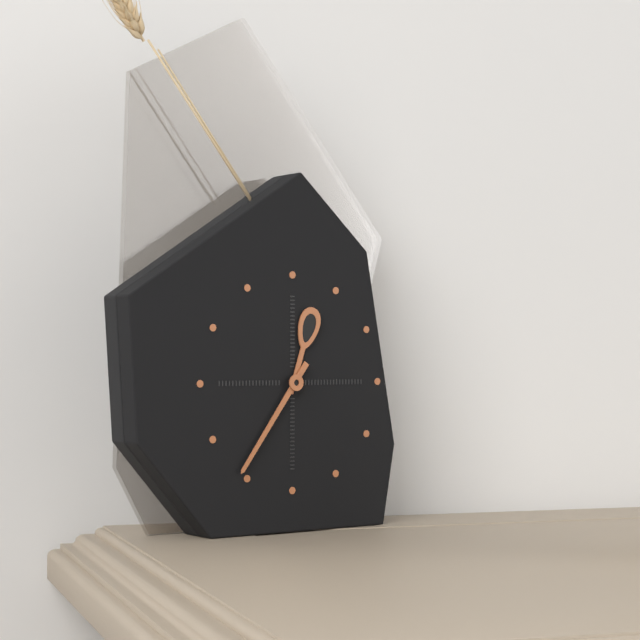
12 h 36 min
